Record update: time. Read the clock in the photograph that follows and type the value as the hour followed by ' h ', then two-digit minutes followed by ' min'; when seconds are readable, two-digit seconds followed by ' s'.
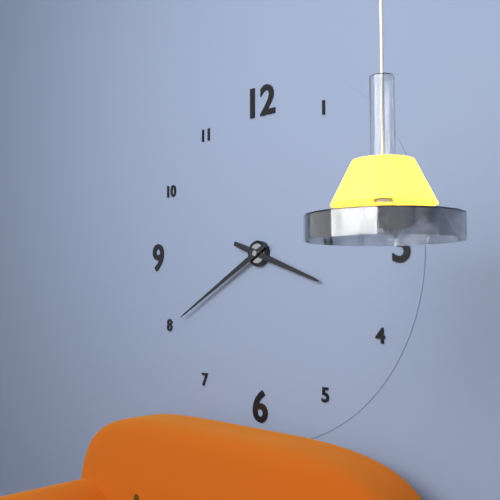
3 h 40 min
